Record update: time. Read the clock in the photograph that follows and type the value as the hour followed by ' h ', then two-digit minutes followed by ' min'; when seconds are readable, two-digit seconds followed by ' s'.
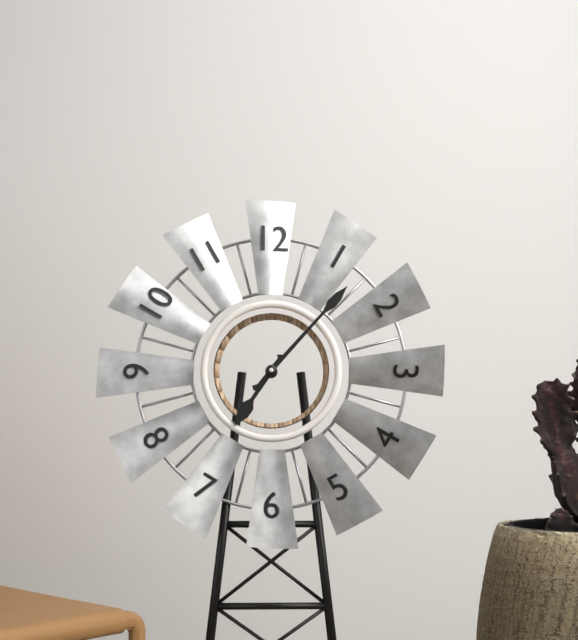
7 h 07 min
